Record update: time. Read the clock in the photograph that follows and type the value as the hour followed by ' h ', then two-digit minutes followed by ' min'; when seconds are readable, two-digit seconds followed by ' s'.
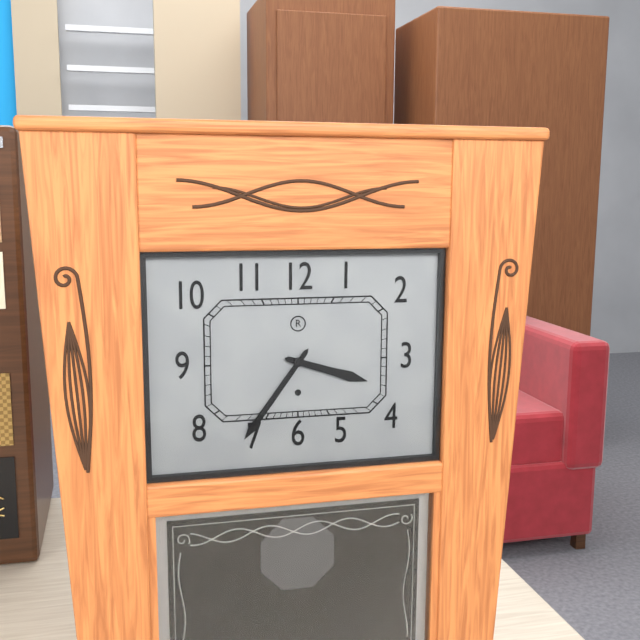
3 h 36 min
